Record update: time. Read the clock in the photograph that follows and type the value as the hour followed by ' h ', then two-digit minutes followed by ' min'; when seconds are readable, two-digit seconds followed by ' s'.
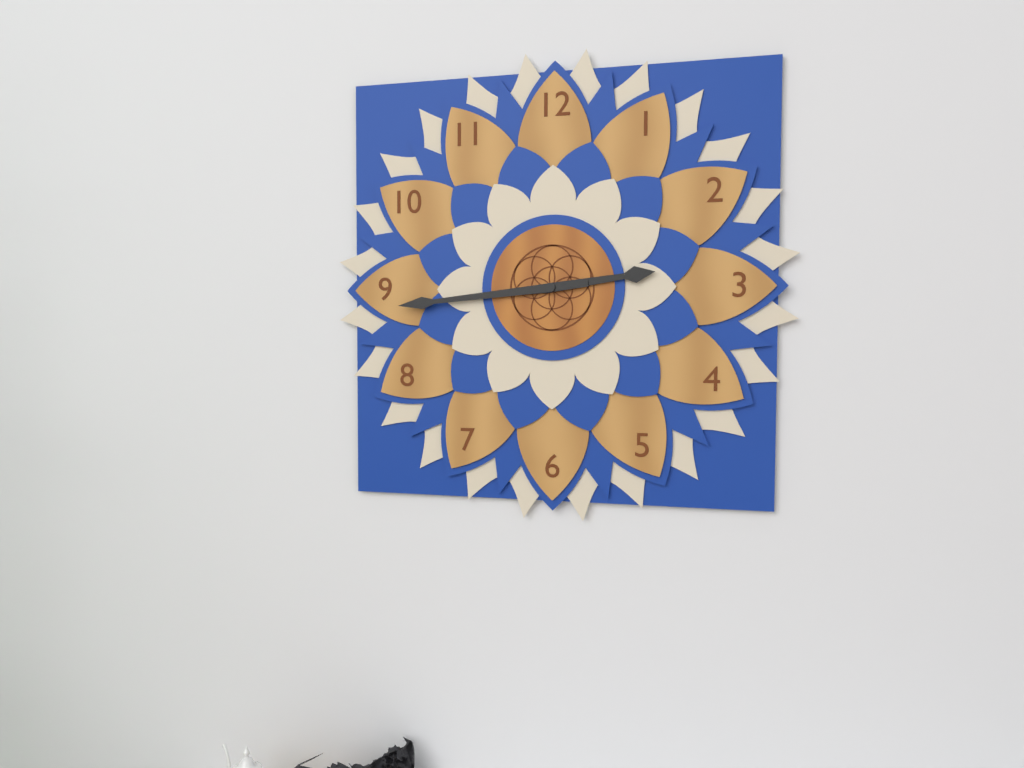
2 h 44 min
